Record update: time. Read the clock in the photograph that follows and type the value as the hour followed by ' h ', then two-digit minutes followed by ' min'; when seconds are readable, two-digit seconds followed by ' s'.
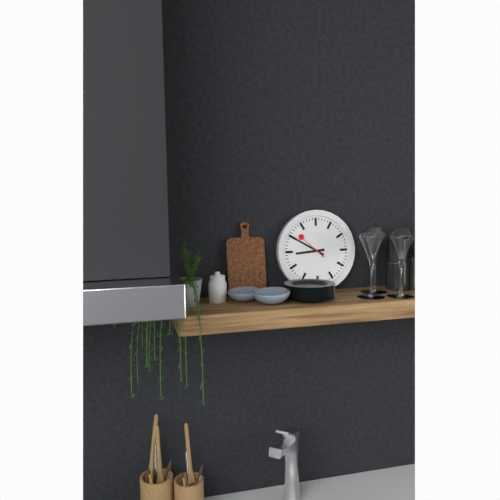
8 h 50 min
